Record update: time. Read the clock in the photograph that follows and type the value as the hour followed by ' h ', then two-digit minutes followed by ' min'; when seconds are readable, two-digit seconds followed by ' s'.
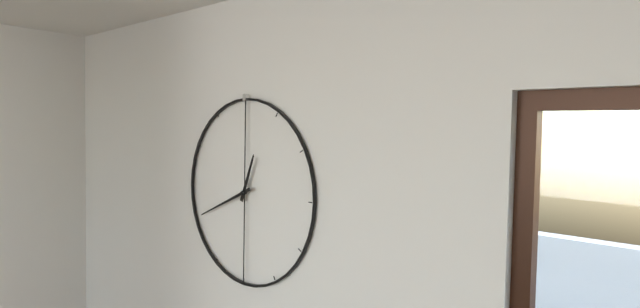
12 h 41 min
